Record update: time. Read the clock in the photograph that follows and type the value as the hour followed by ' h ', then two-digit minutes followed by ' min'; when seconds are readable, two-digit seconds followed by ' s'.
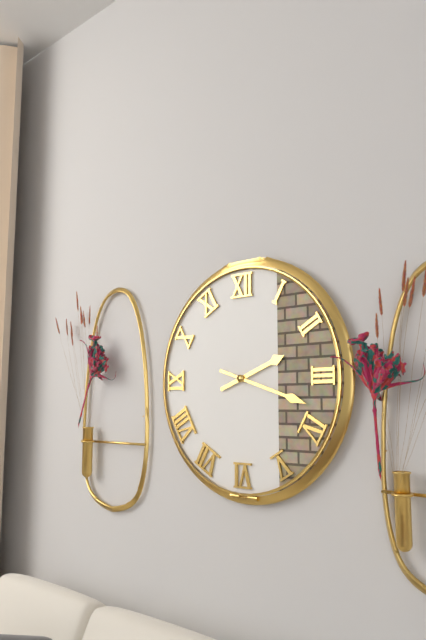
2 h 18 min
